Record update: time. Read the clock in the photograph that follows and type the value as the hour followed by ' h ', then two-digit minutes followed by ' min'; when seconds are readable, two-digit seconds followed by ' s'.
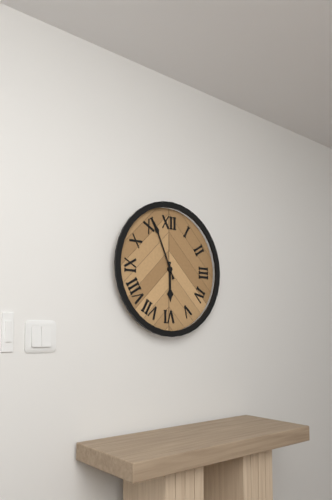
5 h 56 min
